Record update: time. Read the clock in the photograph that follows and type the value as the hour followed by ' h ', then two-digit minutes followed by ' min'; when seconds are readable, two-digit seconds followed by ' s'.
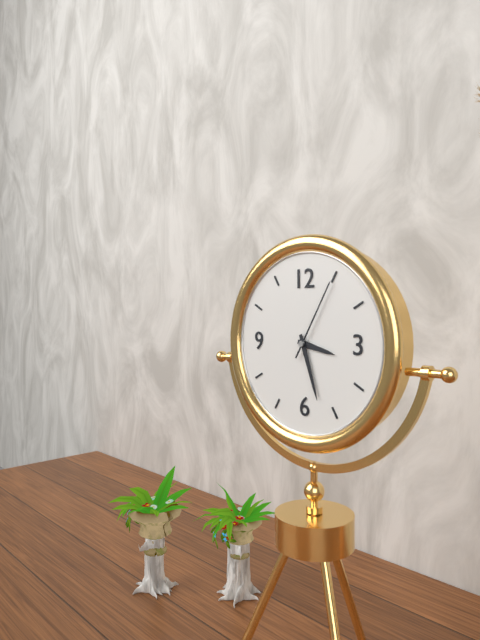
3 h 27 min 05 s
